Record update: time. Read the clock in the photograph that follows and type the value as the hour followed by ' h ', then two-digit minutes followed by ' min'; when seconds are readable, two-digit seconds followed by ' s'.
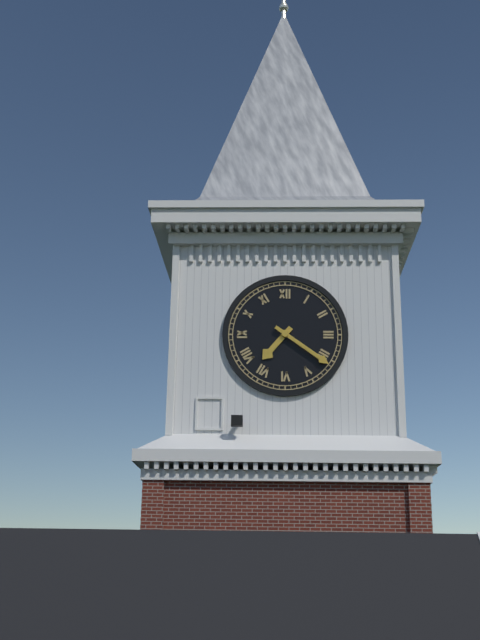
7 h 21 min
